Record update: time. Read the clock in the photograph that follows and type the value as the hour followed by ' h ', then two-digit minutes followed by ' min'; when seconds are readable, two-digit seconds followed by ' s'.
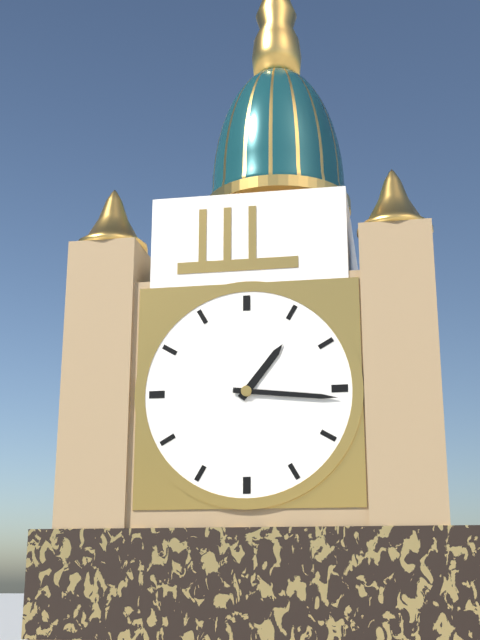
1 h 16 min
